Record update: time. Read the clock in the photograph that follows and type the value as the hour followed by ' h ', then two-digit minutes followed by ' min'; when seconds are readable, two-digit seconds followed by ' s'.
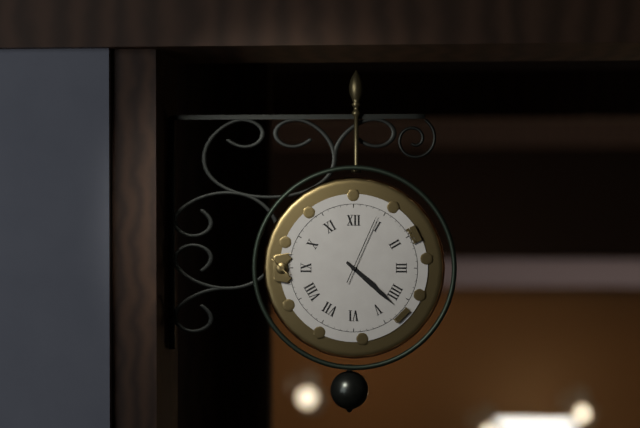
4 h 22 min 04 s
